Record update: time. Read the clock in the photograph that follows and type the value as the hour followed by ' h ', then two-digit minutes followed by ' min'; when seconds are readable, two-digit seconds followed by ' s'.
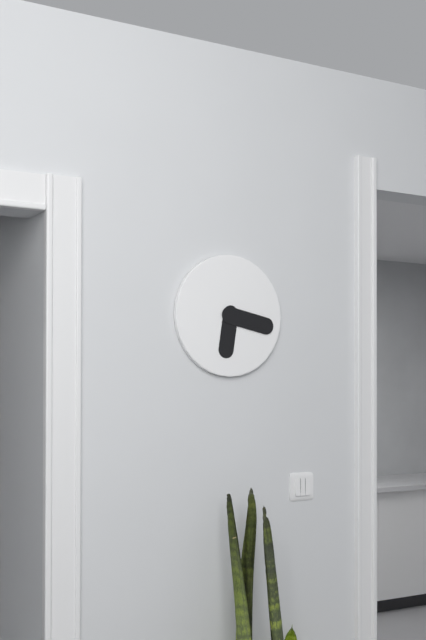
6 h 17 min
